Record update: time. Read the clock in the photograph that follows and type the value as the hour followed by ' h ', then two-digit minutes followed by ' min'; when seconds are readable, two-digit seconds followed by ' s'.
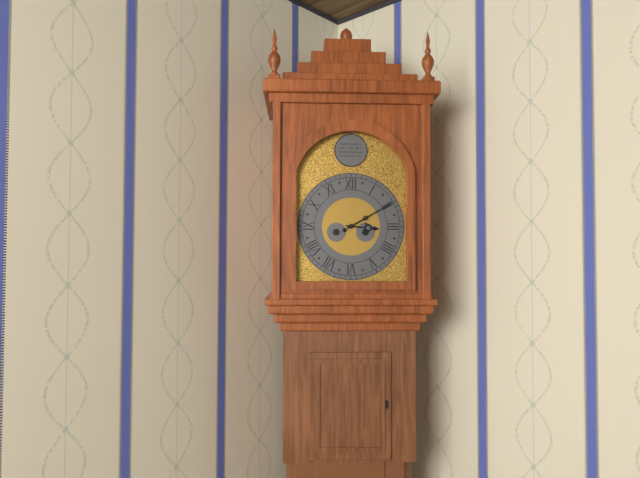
3 h 10 min
